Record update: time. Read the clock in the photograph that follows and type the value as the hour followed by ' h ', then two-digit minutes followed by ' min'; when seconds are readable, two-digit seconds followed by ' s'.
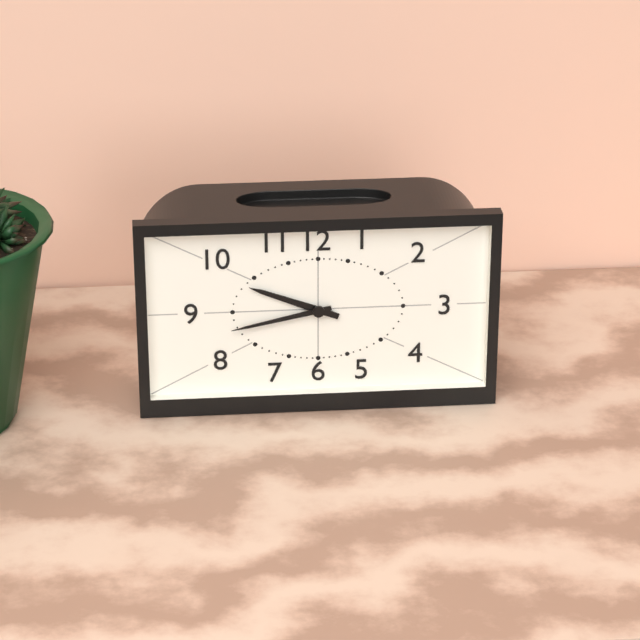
9 h 43 min
